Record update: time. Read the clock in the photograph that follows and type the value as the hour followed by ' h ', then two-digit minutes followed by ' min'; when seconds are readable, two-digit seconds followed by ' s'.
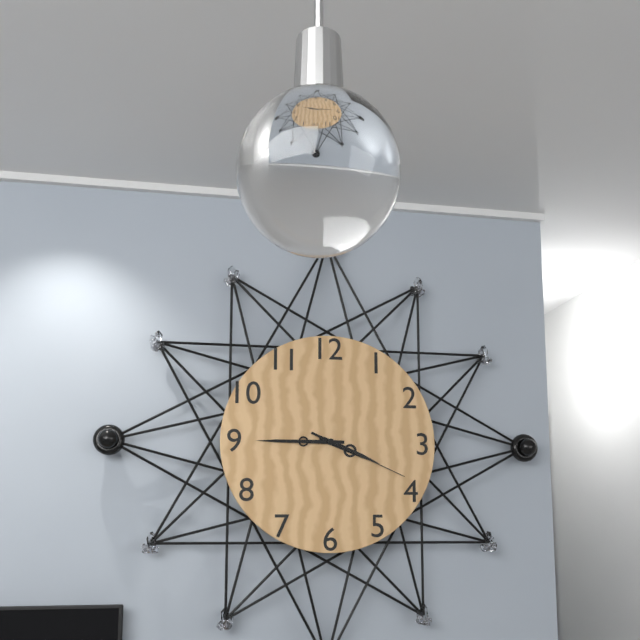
3 h 45 min 19 s
